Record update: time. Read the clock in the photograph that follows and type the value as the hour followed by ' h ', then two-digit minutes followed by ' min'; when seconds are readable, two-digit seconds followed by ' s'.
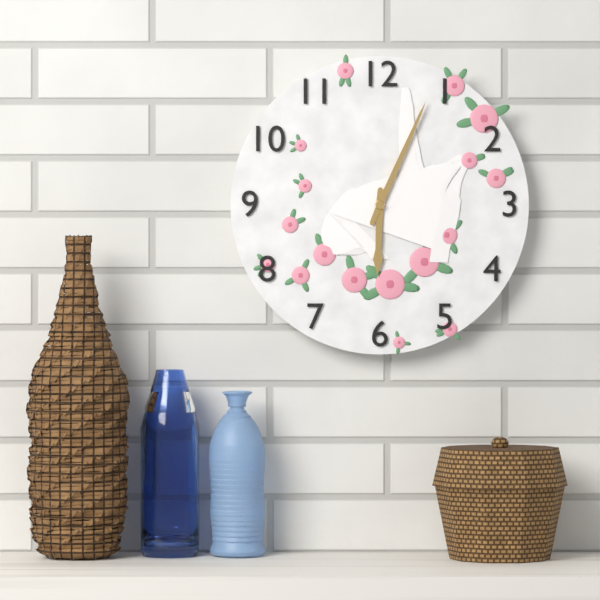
6 h 04 min
